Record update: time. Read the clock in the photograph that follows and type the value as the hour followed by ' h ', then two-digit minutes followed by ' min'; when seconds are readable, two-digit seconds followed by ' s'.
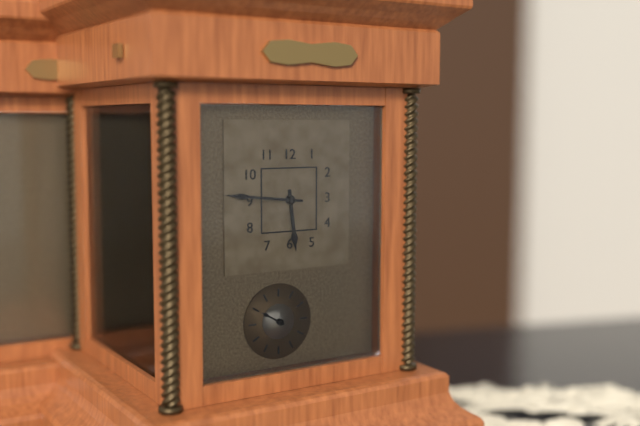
5 h 46 min
